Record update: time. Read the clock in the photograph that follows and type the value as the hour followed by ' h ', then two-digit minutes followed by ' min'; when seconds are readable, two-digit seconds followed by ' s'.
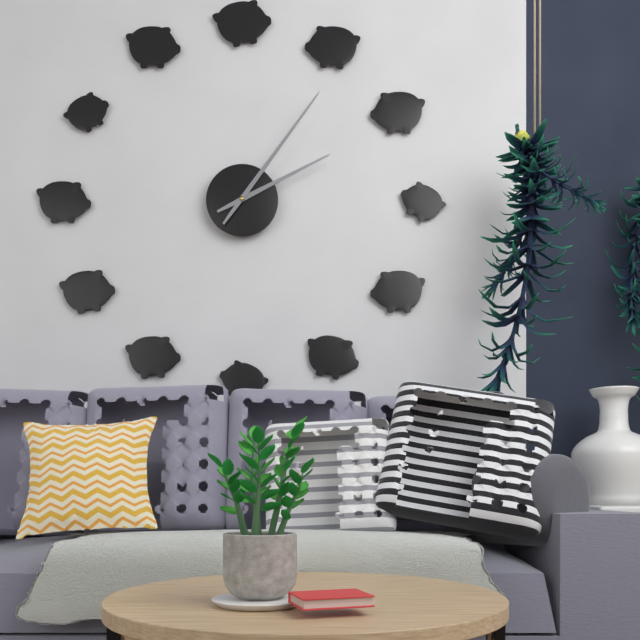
2 h 06 min
